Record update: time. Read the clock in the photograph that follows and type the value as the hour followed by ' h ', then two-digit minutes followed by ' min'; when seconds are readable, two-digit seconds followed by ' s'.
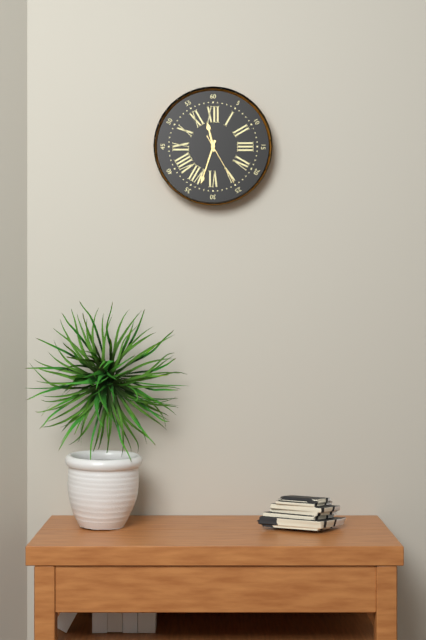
11 h 33 min 25 s
